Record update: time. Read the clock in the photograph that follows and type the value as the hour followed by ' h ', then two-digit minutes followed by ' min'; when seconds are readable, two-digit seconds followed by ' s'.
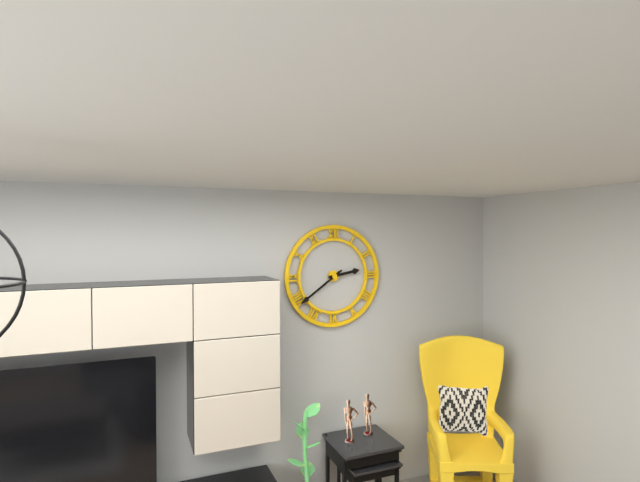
2 h 39 min
